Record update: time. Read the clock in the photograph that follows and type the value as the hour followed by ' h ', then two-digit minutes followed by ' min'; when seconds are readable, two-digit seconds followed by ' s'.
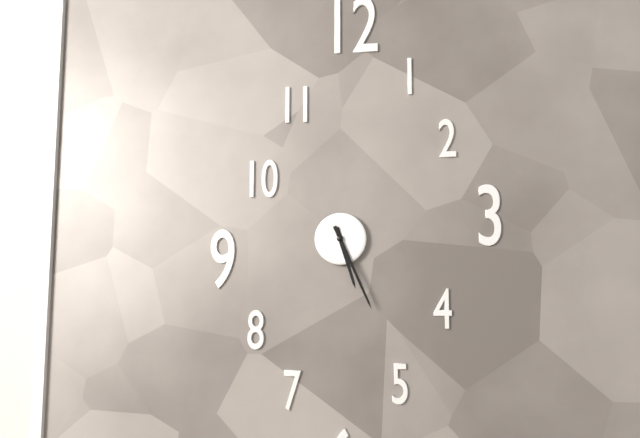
5 h 26 min
